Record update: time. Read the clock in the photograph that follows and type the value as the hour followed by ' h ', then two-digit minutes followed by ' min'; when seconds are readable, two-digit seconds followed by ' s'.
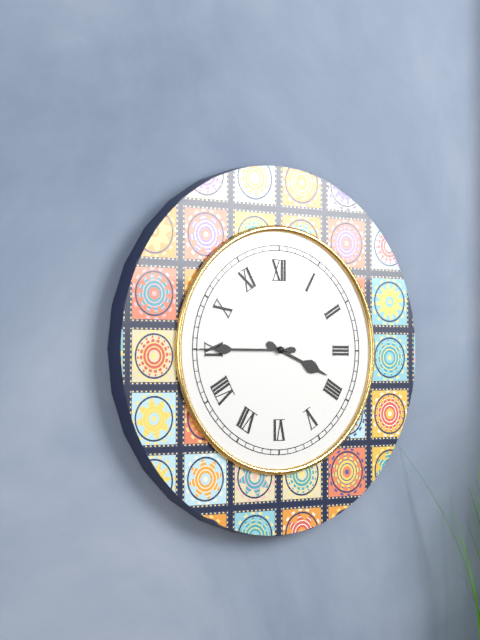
3 h 45 min
